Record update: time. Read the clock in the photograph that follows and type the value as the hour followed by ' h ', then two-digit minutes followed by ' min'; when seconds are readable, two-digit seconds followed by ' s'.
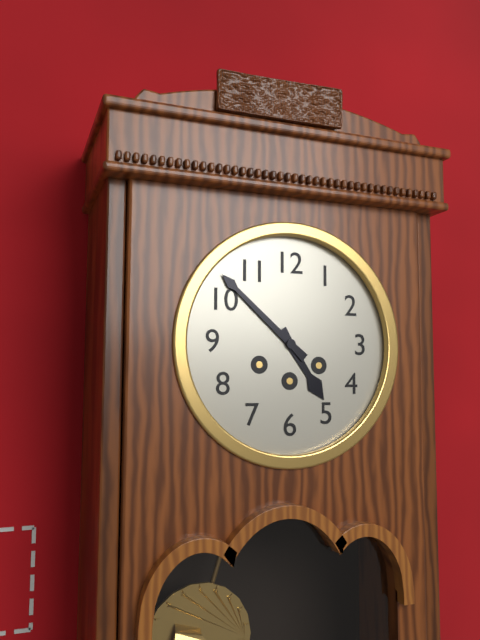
4 h 52 min
